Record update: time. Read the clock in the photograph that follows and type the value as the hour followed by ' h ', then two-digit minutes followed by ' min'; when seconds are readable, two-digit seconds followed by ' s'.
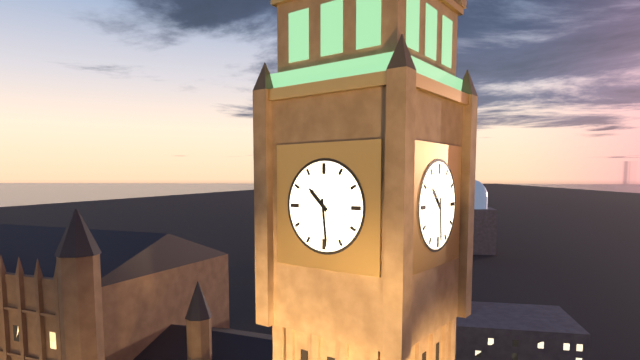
10 h 29 min
